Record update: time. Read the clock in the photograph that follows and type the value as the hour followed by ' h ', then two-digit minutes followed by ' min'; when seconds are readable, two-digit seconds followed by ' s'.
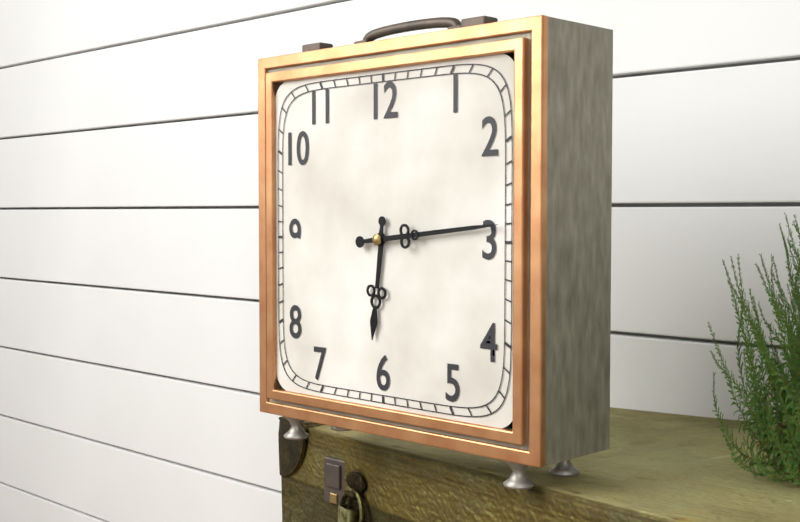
6 h 14 min
